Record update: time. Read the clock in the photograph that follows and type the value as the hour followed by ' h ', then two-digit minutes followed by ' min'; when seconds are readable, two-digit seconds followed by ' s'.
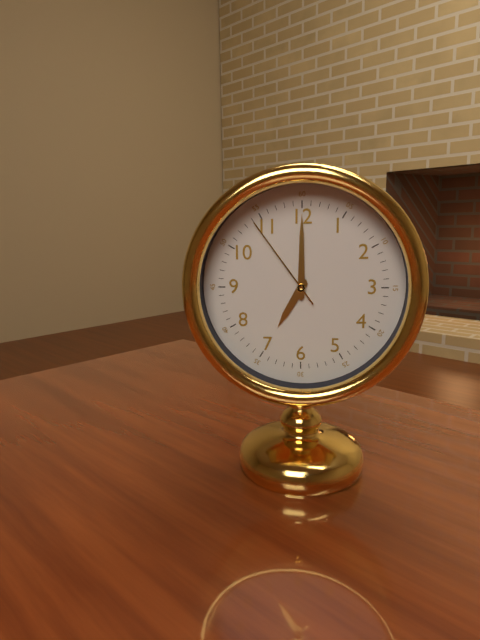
7 h 00 min 54 s
